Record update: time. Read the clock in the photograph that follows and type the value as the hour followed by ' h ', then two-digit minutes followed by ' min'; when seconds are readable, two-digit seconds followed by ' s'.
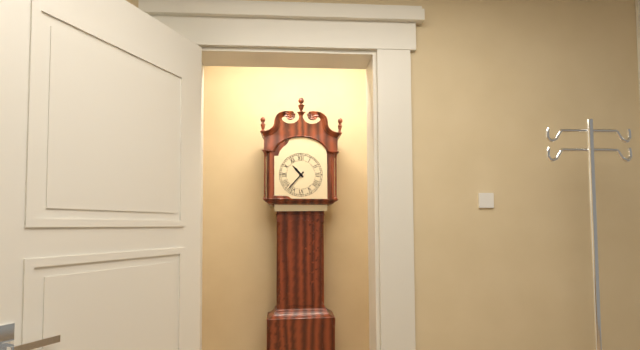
10 h 37 min
